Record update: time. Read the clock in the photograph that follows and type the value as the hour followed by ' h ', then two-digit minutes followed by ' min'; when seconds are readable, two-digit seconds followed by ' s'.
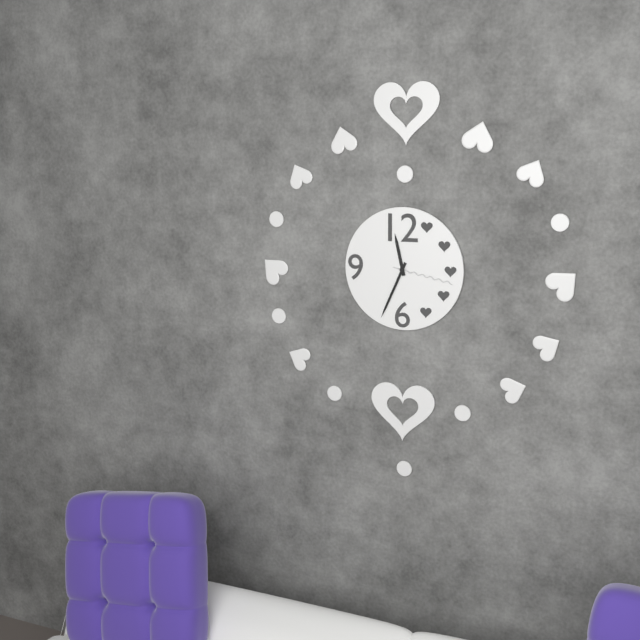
11 h 34 min 17 s
